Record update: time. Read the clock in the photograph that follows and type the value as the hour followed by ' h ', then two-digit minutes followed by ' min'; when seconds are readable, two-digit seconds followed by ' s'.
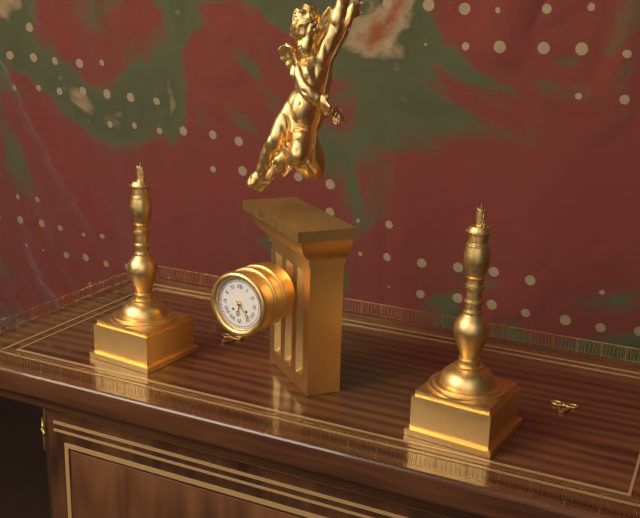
6 h 23 min
